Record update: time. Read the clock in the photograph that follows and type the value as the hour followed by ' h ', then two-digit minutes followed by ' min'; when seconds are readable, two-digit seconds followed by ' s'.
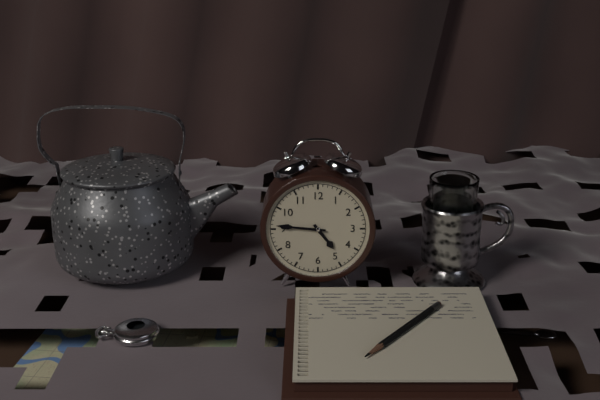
4 h 46 min
